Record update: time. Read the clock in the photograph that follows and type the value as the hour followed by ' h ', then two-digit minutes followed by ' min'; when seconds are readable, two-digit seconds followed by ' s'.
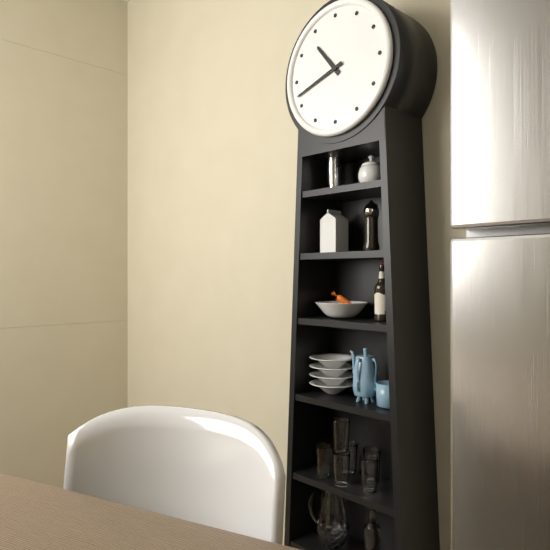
10 h 42 min
